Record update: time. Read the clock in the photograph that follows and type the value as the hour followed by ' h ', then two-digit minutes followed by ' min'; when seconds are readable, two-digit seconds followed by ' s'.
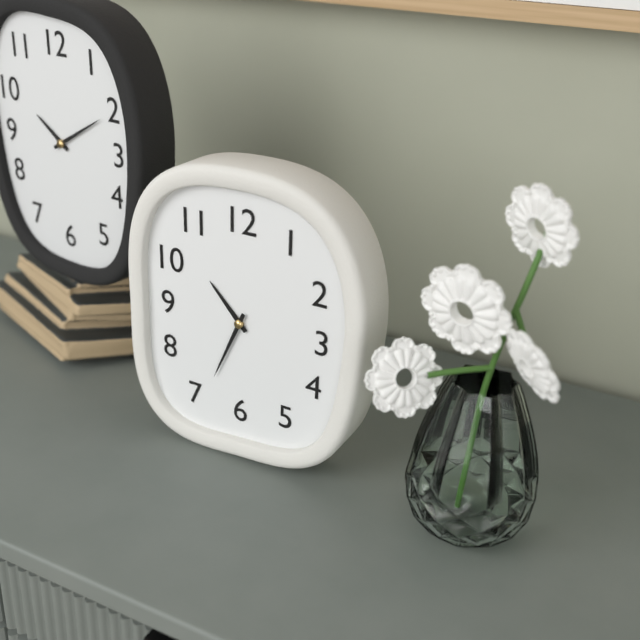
10 h 34 min
